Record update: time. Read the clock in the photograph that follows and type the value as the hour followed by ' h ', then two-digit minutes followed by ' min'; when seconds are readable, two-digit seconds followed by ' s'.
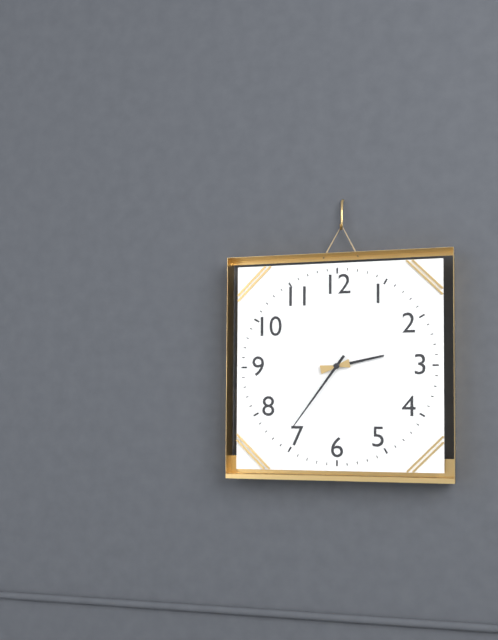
2 h 36 min
